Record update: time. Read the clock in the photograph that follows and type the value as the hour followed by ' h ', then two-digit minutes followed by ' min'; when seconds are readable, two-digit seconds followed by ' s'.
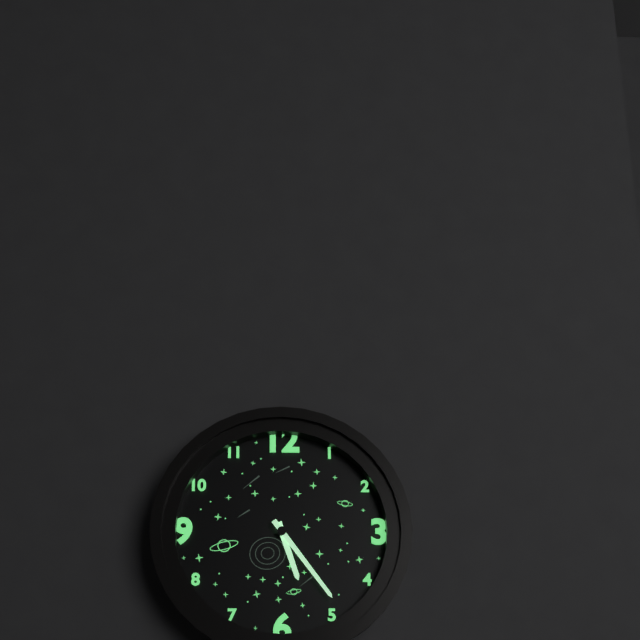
5 h 24 min
